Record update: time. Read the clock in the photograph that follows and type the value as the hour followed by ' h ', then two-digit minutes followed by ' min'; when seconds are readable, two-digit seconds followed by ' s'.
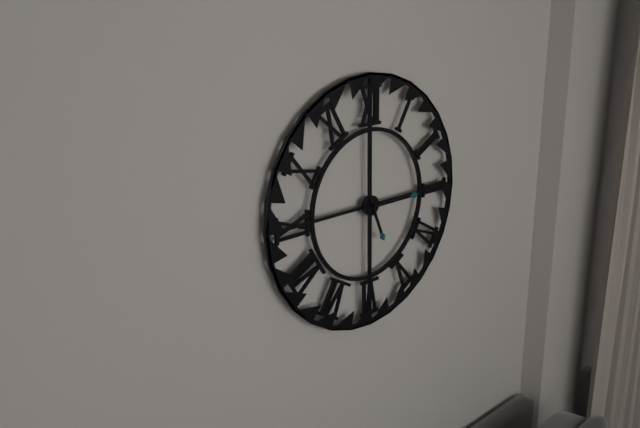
5 h 15 min
